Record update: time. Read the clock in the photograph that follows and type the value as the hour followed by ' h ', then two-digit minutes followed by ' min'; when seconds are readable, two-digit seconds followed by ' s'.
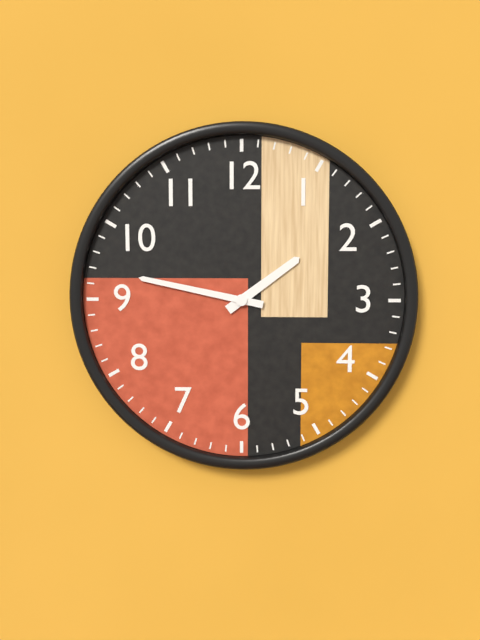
1 h 47 min
